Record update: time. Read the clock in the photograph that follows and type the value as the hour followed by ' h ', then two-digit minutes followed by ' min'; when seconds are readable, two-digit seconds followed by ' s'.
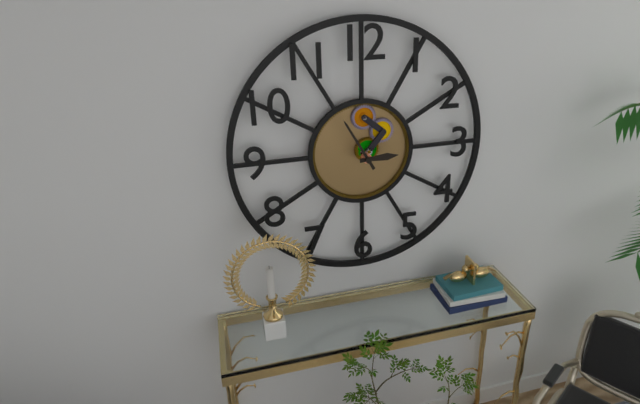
2 h 55 min
